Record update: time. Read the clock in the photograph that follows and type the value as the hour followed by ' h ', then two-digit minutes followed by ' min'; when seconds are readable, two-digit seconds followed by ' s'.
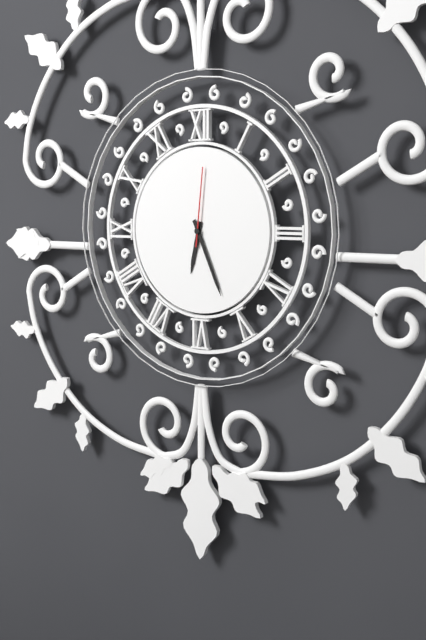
6 h 26 min 01 s
